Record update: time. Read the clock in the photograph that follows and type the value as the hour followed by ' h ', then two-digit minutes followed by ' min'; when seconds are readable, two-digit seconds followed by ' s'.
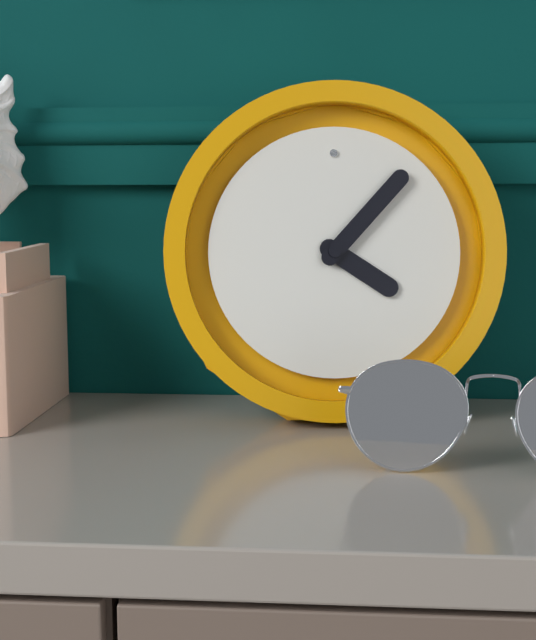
4 h 07 min
